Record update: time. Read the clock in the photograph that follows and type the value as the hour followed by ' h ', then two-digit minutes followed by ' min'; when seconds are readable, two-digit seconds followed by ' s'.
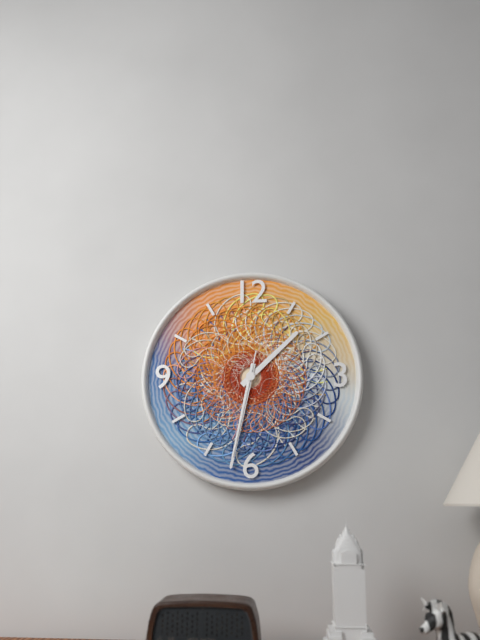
1 h 32 min 32 s
